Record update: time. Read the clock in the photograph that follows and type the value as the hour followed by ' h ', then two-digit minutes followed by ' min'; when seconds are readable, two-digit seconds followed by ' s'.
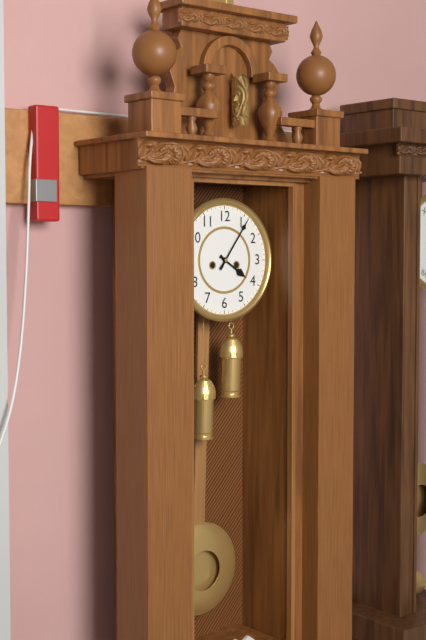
4 h 06 min
